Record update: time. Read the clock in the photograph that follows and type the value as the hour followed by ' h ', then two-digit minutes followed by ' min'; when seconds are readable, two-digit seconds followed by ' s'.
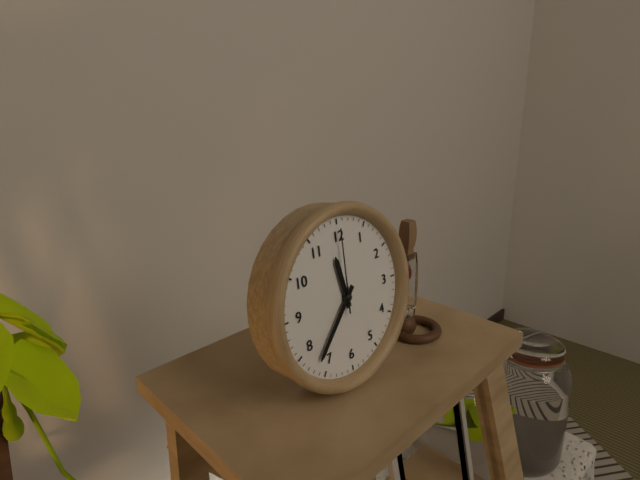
11 h 37 min 00 s
